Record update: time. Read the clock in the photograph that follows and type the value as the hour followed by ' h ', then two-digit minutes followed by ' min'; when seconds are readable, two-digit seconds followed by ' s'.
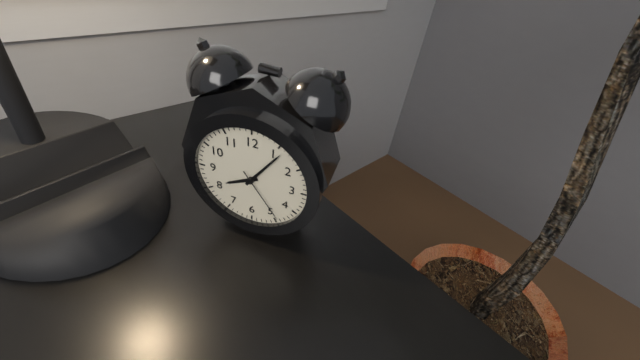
8 h 06 min 24 s
